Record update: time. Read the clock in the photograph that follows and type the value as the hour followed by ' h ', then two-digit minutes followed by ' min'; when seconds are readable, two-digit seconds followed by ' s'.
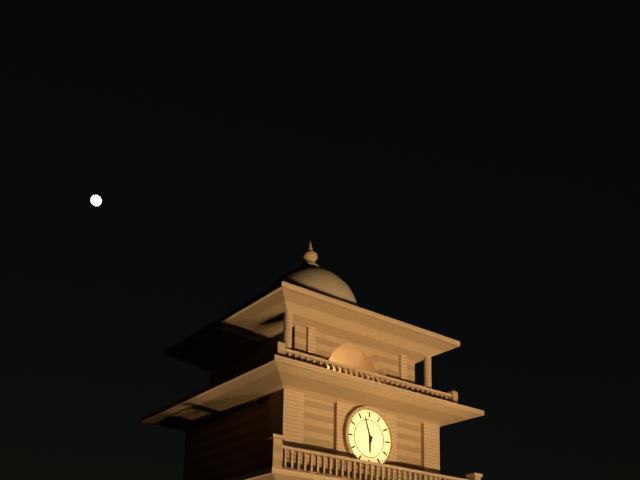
5 h 57 min
